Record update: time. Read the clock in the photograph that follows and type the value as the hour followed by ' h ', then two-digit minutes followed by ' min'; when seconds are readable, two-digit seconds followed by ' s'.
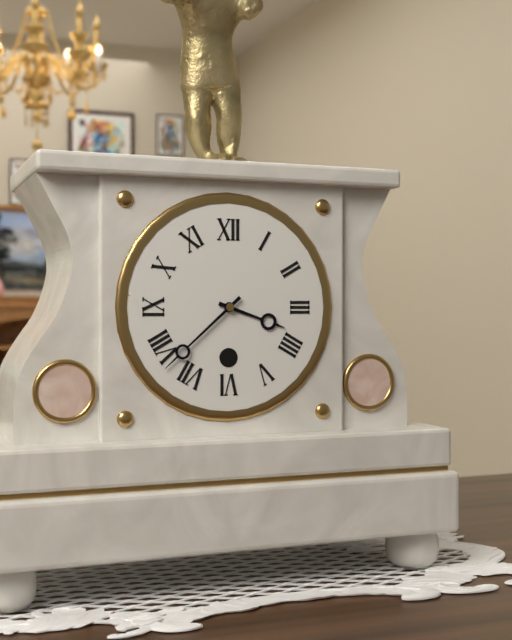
3 h 38 min
